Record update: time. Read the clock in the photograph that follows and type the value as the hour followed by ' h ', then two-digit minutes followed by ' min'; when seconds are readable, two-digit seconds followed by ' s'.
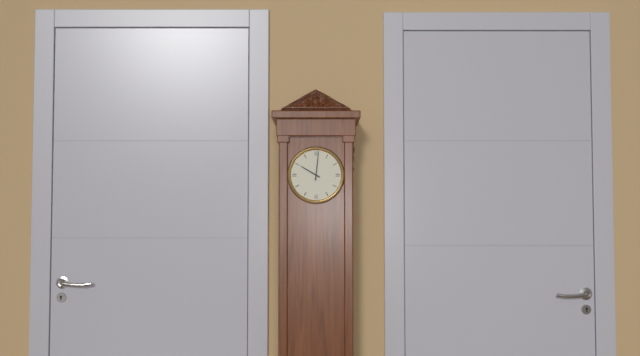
10 h 01 min
